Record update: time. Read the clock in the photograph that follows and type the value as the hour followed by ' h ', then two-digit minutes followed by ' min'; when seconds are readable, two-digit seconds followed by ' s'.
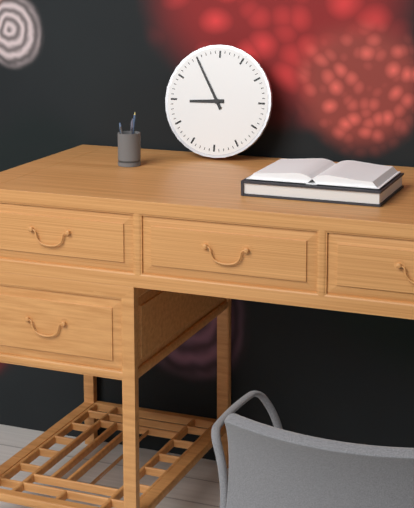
8 h 55 min
